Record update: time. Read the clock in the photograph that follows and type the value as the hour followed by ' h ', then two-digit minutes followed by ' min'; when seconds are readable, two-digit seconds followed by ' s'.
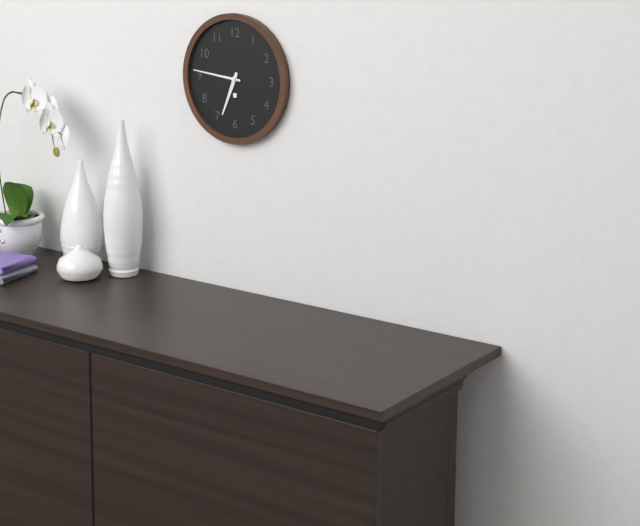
6 h 46 min
